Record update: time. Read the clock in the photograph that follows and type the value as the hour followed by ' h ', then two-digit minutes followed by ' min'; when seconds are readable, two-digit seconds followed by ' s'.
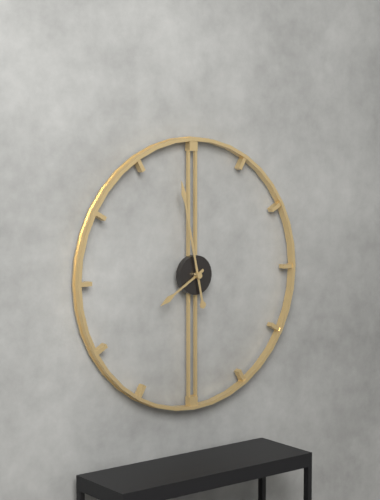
7 h 58 min
